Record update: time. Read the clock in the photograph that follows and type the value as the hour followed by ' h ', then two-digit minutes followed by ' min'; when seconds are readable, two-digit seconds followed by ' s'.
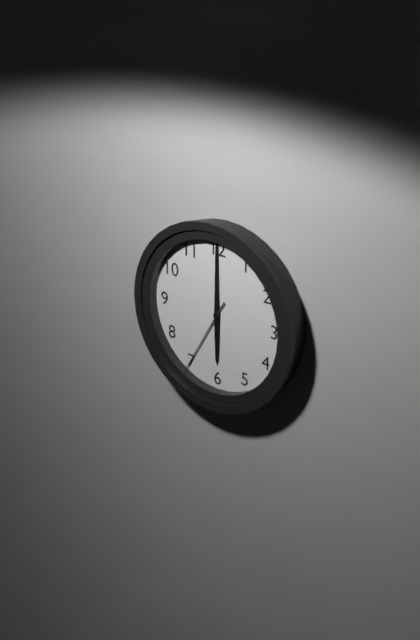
6 h 00 min 35 s
